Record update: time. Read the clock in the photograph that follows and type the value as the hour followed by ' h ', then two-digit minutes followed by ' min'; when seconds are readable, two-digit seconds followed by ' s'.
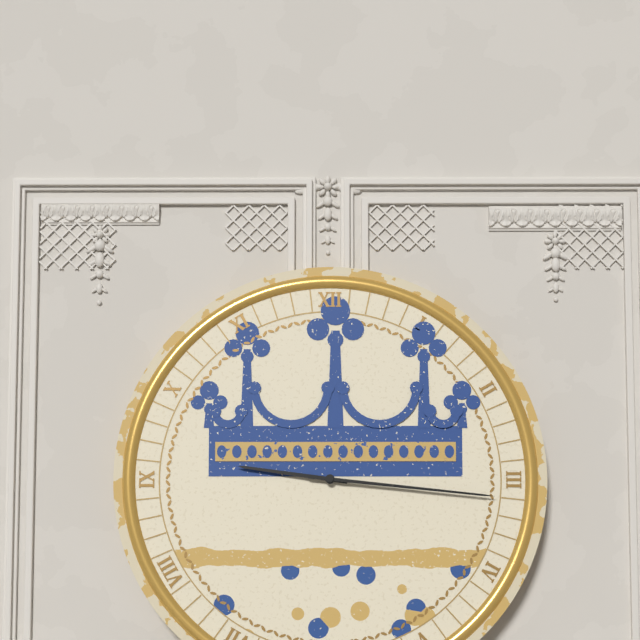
9 h 16 min
